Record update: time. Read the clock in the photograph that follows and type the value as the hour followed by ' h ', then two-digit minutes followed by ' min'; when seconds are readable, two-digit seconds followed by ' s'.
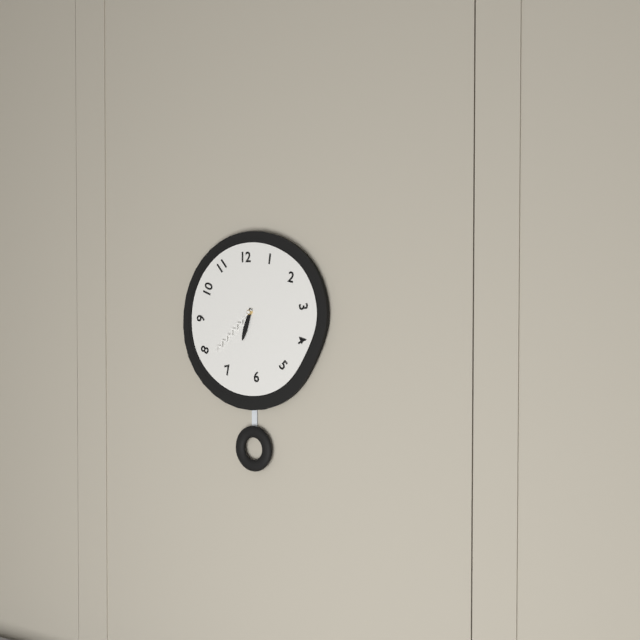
6 h 38 min
